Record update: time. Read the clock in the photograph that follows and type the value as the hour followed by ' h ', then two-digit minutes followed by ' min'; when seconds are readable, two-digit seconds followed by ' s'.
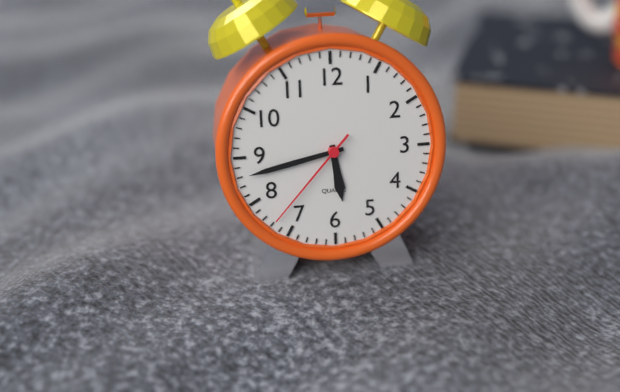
5 h 43 min 37 s
